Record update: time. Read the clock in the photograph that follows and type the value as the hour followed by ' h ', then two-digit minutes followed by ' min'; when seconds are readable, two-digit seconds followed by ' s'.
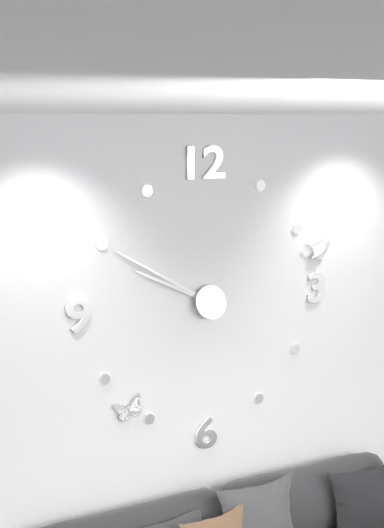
9 h 50 min
